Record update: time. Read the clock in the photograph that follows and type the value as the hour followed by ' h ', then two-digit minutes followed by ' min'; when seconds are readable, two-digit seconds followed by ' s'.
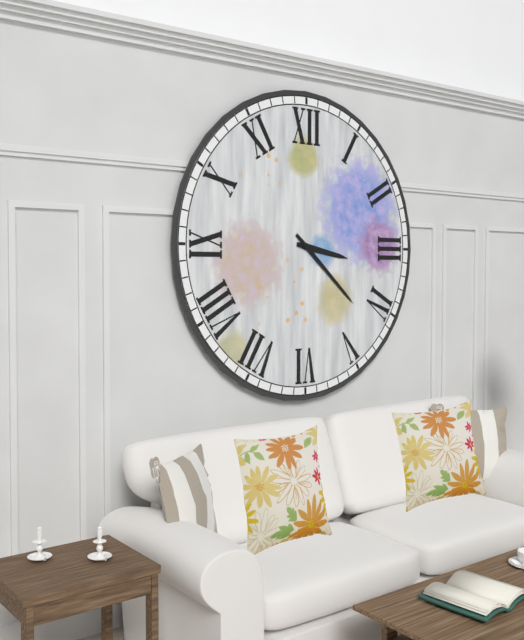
3 h 22 min
